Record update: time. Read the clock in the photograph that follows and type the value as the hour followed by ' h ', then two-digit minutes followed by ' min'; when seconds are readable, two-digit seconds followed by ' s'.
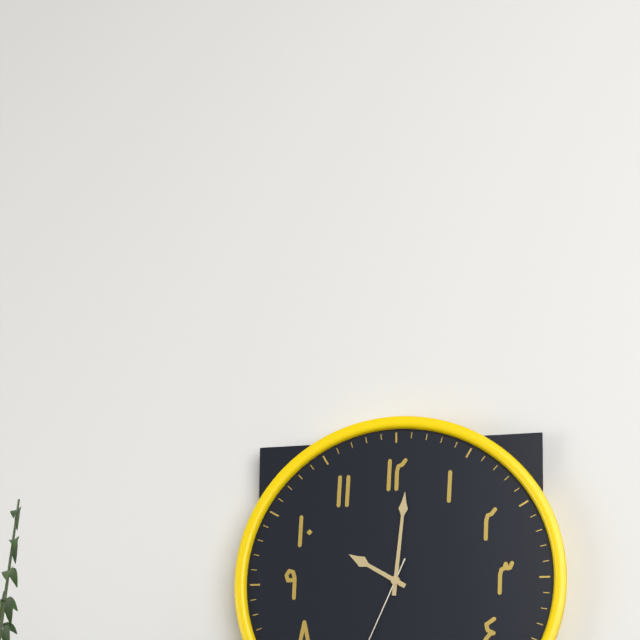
10 h 01 min
